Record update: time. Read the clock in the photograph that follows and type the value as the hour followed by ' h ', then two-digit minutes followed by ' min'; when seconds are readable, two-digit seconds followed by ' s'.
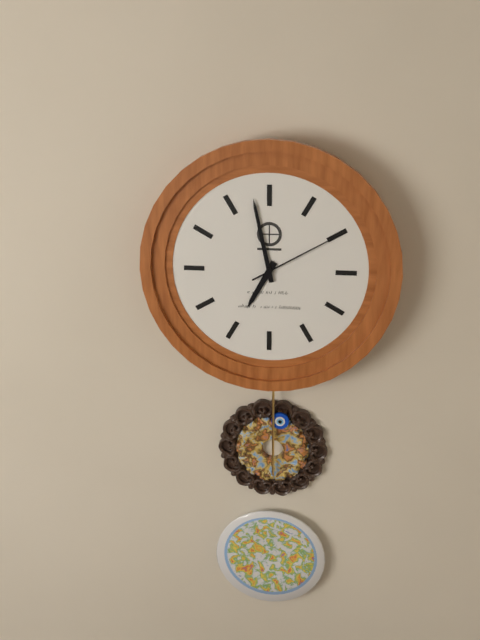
6 h 58 min 10 s
